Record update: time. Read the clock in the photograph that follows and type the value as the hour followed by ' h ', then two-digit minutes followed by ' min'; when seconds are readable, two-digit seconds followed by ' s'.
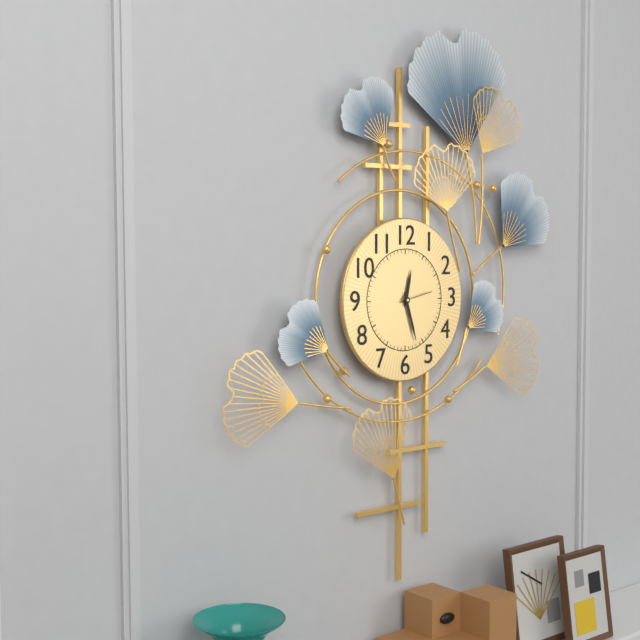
12 h 27 min
